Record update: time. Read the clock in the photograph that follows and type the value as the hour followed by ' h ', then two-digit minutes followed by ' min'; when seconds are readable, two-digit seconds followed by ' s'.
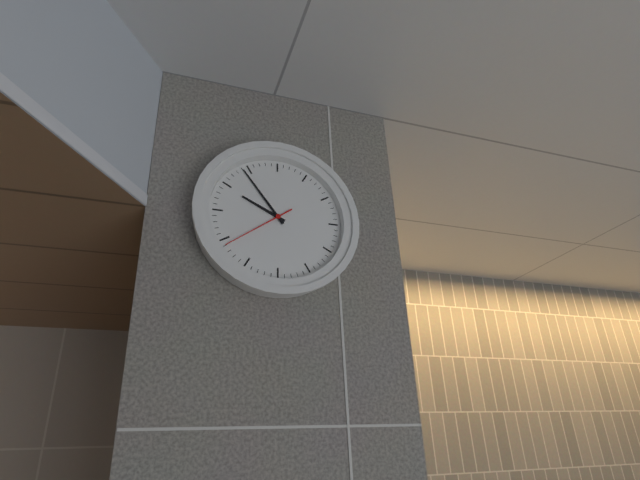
9 h 54 min 39 s
